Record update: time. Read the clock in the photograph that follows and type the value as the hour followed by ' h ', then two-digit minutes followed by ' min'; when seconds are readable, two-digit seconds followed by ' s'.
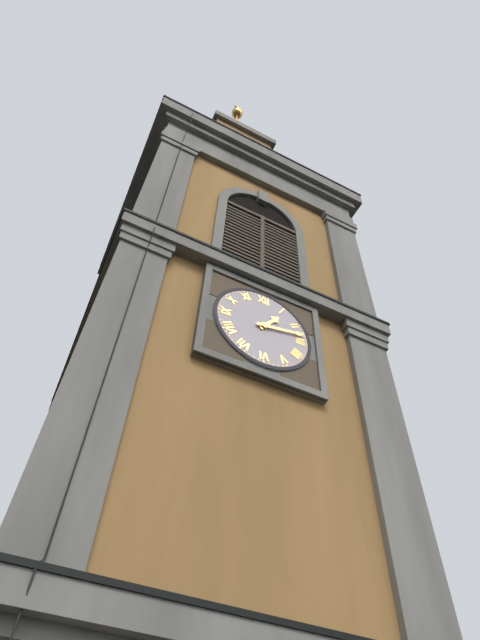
1 h 13 min
